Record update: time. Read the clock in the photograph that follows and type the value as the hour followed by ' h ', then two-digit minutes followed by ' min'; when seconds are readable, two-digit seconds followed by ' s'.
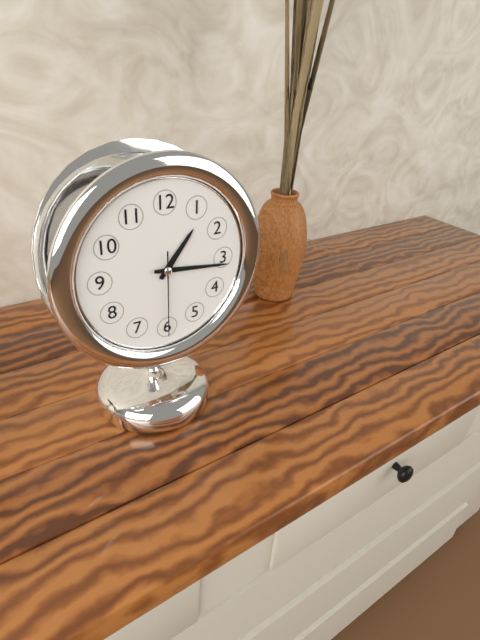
1 h 16 min 30 s
